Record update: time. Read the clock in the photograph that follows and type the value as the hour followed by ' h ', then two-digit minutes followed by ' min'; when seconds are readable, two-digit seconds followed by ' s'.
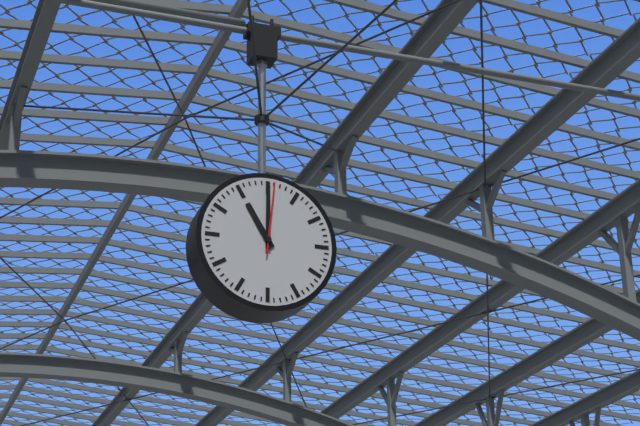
11 h 00 min 01 s
